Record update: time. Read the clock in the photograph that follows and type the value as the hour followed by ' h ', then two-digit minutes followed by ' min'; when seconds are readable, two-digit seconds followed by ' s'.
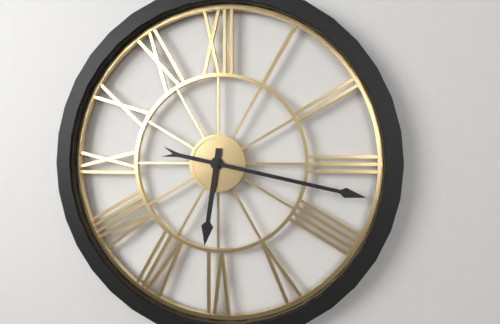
6 h 17 min
